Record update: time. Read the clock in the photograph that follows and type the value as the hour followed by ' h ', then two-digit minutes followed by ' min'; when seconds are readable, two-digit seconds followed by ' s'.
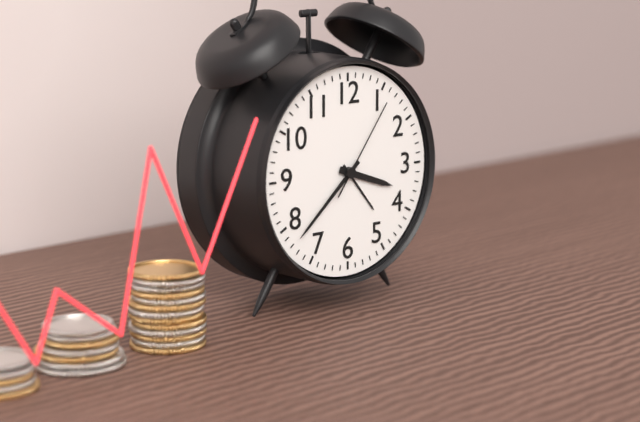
3 h 38 min 06 s
